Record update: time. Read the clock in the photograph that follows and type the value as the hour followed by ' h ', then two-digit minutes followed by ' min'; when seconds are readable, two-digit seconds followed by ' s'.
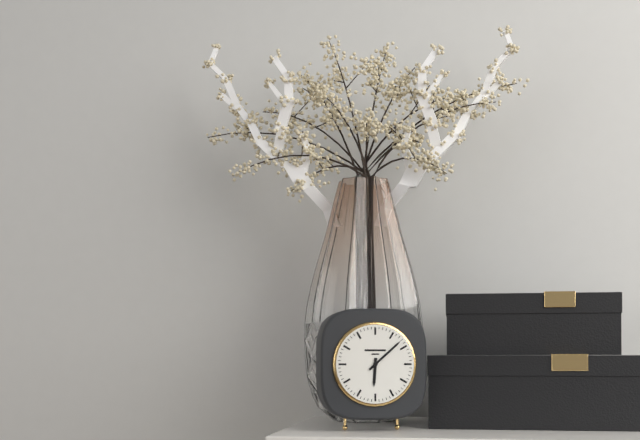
6 h 08 min
